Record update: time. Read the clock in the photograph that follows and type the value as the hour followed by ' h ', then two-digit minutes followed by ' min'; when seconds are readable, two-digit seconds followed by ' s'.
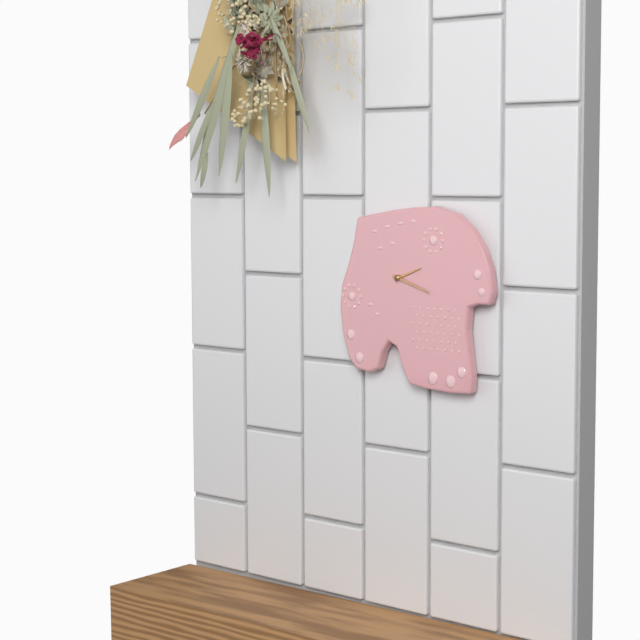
2 h 18 min
